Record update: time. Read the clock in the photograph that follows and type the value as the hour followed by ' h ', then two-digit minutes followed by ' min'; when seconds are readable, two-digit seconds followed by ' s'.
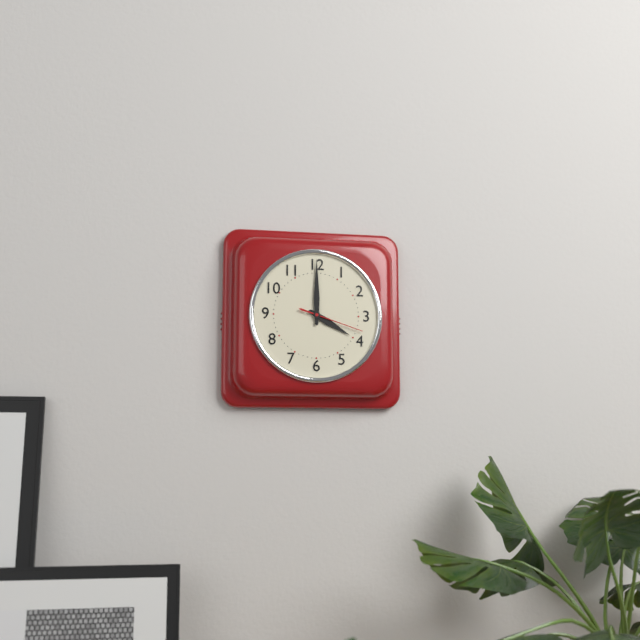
4 h 00 min 18 s
